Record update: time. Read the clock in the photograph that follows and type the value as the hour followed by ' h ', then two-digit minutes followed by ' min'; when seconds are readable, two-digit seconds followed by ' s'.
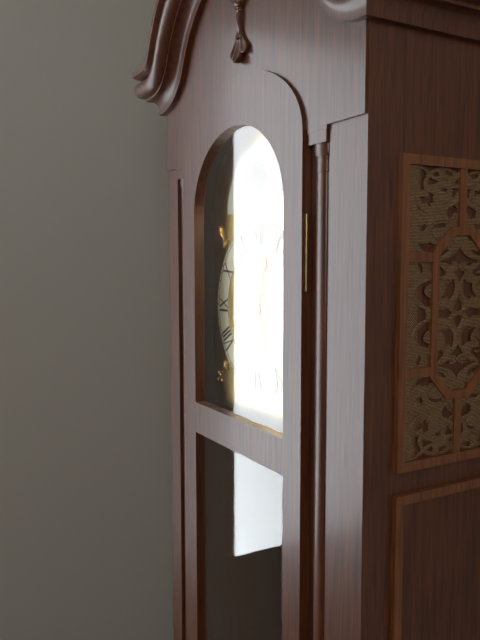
12 h 27 min
